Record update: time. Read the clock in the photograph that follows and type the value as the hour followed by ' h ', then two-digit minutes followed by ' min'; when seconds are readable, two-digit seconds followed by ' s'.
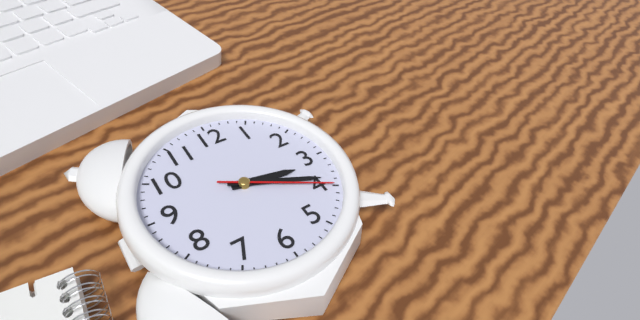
3 h 19 min 20 s
